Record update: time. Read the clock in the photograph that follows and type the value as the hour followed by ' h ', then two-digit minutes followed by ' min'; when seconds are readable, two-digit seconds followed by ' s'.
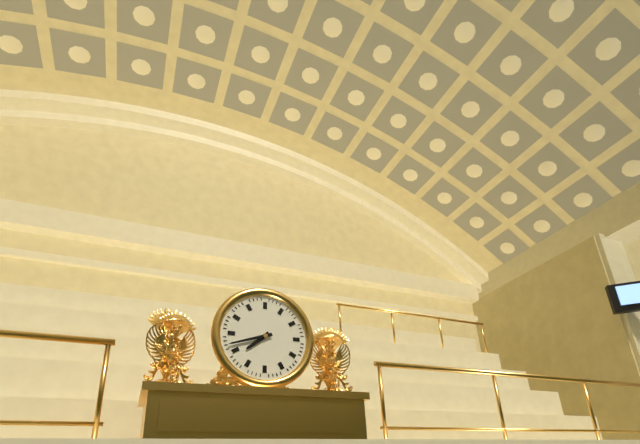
7 h 42 min
